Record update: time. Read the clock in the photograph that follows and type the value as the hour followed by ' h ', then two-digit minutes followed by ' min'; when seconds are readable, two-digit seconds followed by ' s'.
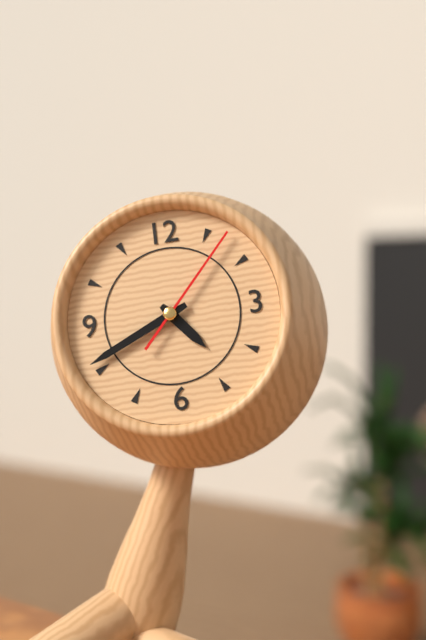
4 h 41 min 07 s
